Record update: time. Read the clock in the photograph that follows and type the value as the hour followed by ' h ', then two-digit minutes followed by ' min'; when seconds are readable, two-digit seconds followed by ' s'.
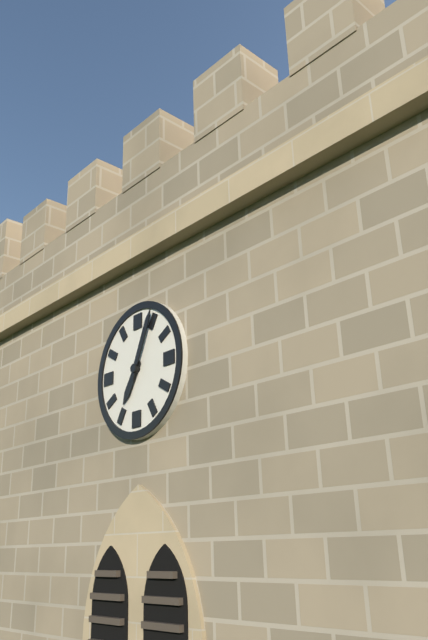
7 h 04 min
